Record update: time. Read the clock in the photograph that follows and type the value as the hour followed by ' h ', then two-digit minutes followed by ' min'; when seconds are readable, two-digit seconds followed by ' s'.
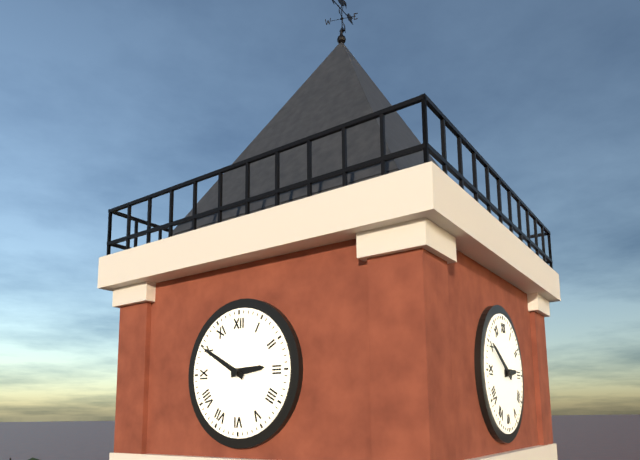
2 h 50 min
